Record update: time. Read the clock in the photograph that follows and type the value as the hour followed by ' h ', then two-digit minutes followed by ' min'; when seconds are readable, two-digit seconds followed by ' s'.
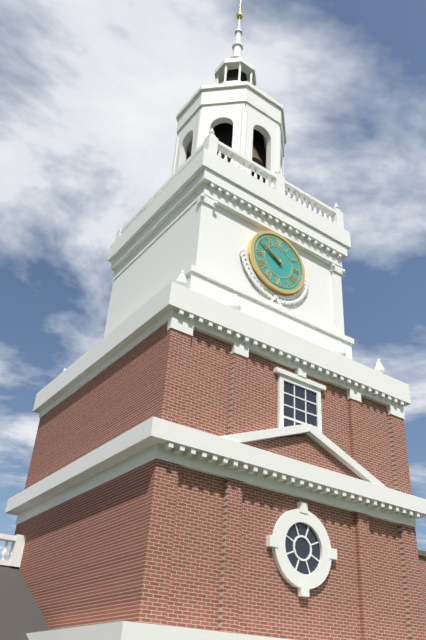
9 h 50 min
